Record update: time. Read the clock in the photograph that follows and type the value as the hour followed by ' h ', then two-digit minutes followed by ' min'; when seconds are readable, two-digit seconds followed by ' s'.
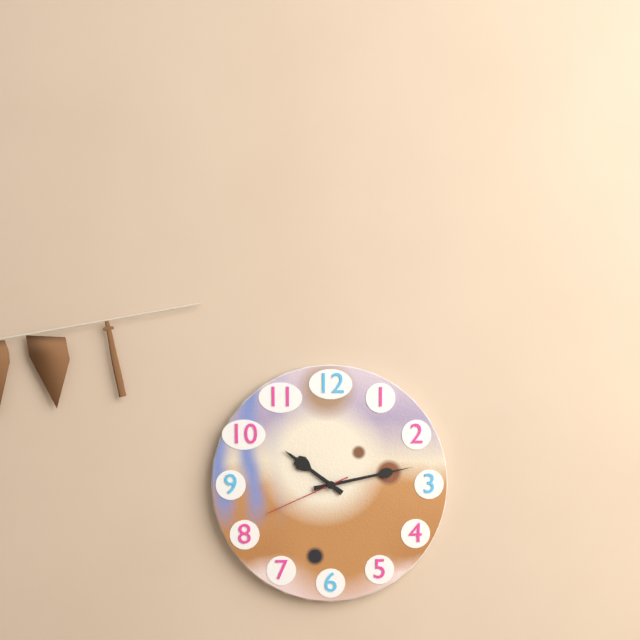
10 h 13 min 41 s
